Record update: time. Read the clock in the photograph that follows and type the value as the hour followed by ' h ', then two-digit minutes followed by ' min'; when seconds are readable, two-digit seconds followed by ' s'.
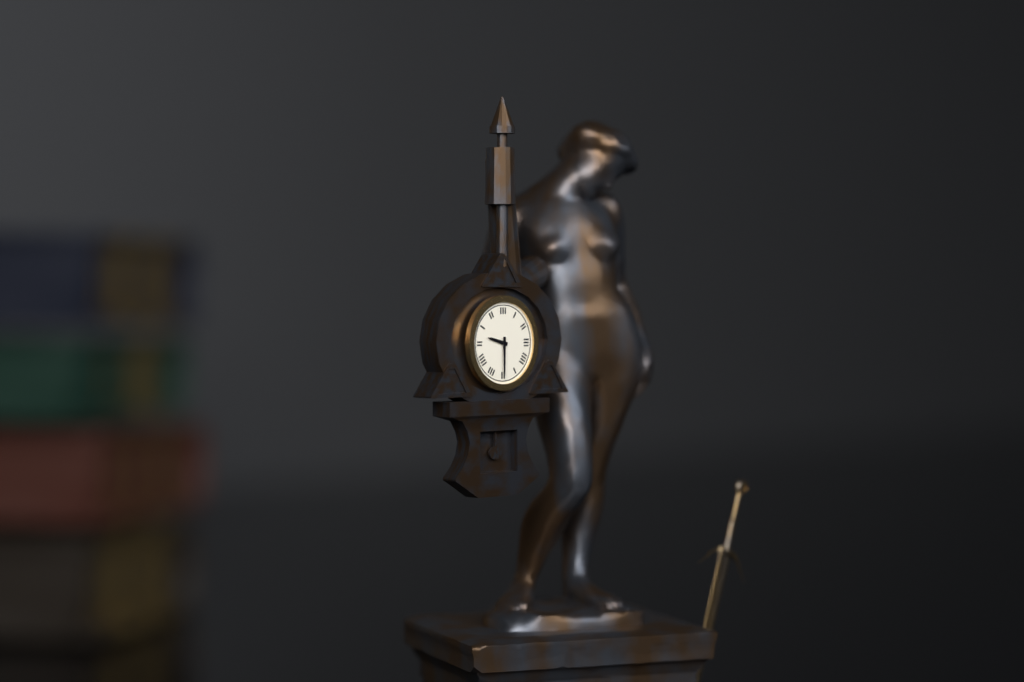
9 h 30 min
